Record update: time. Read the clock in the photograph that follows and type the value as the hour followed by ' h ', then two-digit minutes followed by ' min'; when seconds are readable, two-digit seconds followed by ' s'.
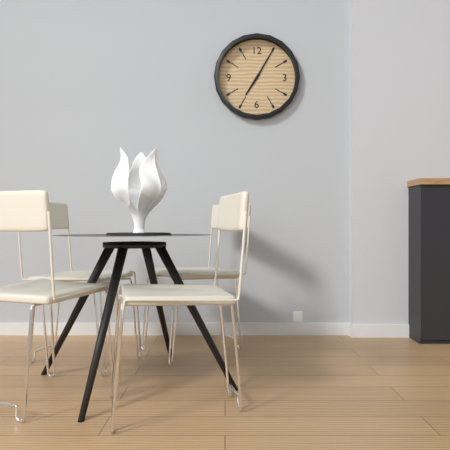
7 h 05 min
